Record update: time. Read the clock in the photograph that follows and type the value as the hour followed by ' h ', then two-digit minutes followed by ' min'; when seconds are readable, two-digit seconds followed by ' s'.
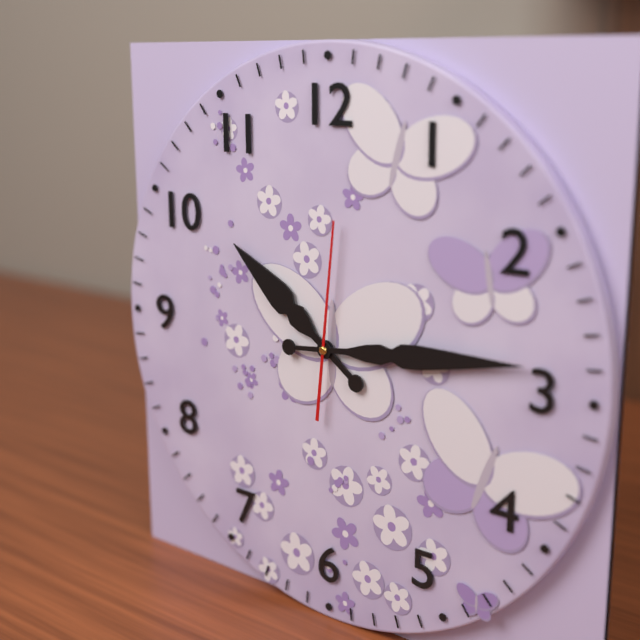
10 h 14 min 01 s
